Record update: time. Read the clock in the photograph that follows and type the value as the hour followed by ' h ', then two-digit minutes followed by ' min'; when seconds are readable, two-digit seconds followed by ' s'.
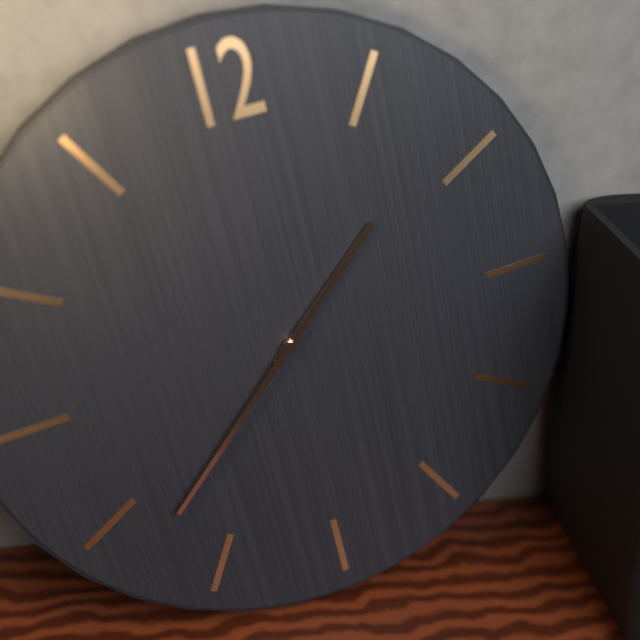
1 h 38 min
